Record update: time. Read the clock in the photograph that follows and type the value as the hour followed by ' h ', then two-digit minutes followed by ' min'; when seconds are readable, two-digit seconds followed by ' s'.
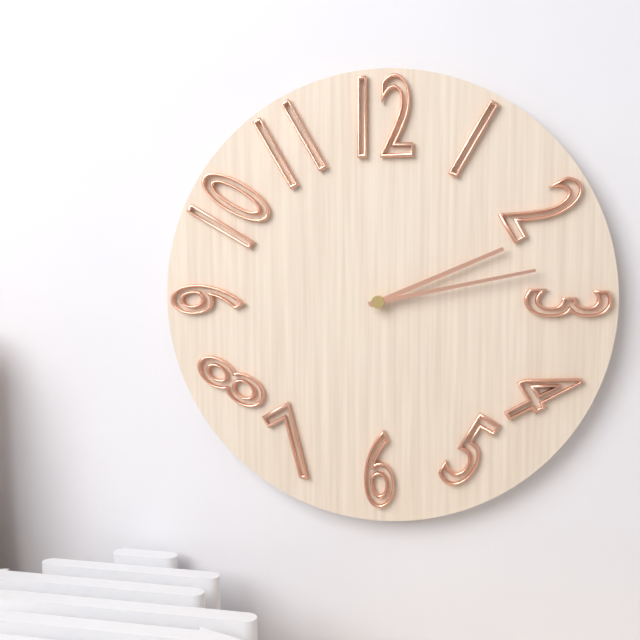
2 h 13 min
